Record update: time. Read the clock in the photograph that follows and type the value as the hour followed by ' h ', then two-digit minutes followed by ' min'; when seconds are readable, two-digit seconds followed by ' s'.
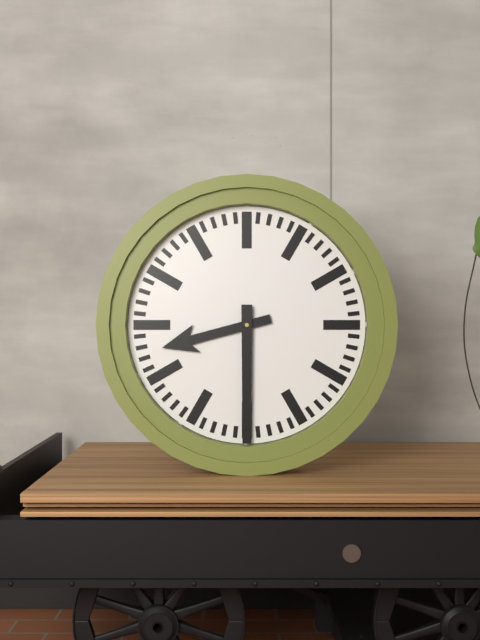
8 h 30 min
